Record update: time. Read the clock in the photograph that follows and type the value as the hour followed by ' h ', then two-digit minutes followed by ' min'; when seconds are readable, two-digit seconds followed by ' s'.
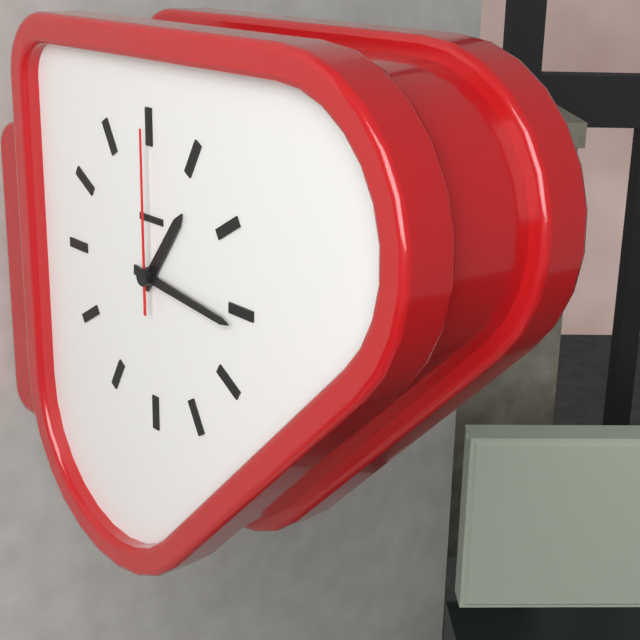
1 h 16 min 00 s
